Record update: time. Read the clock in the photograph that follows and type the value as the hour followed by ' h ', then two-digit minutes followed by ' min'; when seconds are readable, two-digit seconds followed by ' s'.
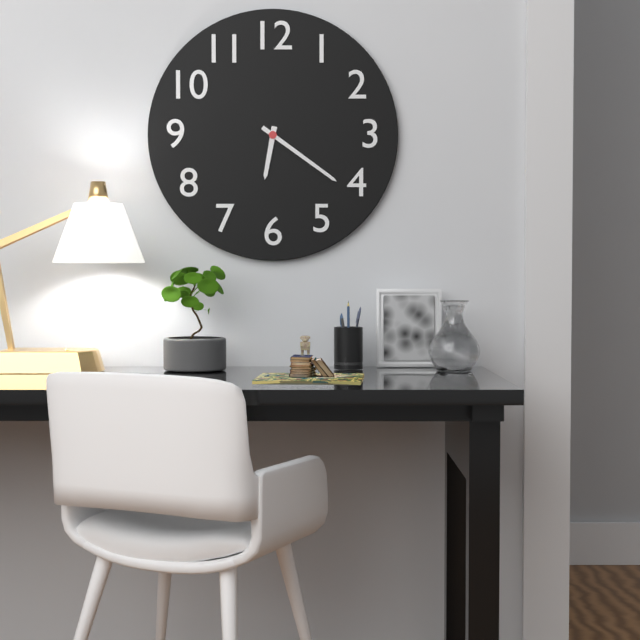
6 h 21 min
